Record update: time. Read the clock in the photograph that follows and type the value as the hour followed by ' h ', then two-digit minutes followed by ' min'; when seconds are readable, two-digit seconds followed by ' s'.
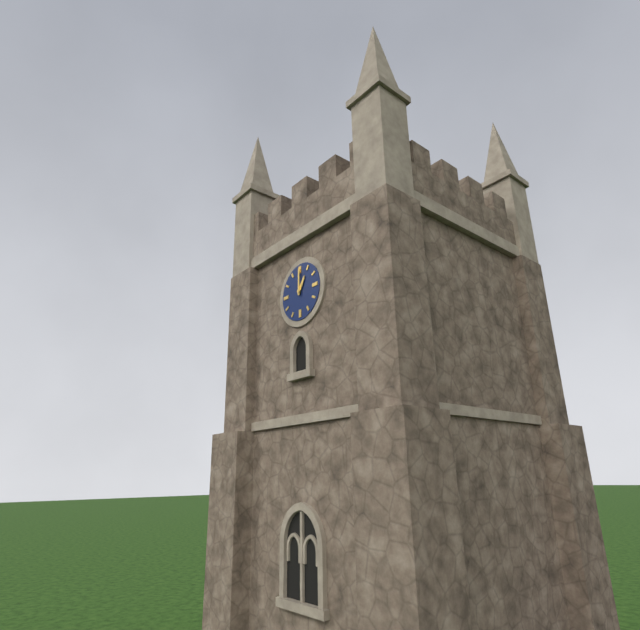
1 h 00 min
